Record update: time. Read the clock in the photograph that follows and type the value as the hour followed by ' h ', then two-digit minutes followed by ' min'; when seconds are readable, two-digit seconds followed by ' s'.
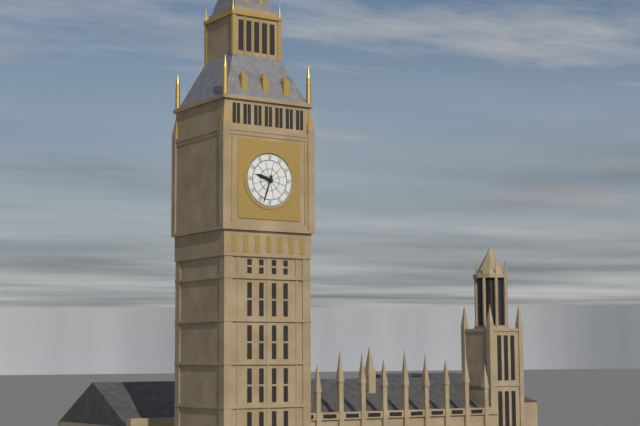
9 h 33 min
